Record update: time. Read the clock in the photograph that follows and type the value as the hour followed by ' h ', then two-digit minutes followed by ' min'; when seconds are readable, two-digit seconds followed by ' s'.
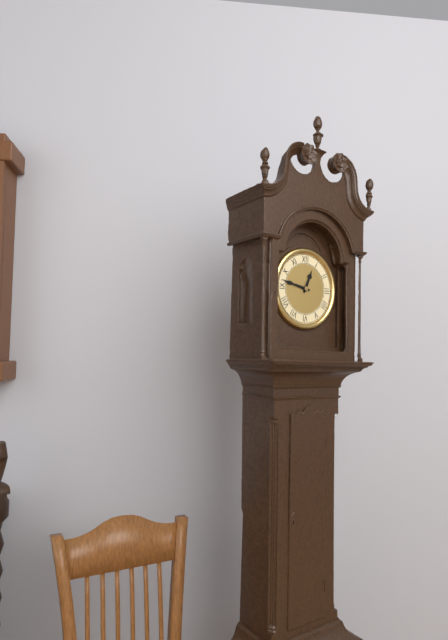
12 h 47 min
